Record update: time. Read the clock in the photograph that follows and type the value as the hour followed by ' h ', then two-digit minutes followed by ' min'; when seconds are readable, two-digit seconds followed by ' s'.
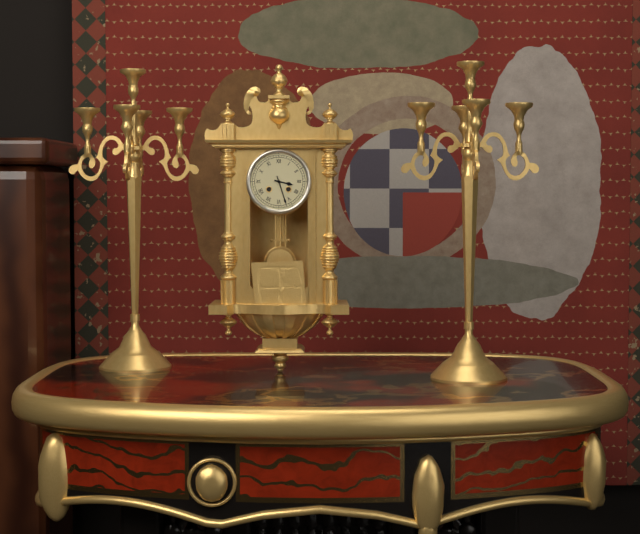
3 h 27 min
